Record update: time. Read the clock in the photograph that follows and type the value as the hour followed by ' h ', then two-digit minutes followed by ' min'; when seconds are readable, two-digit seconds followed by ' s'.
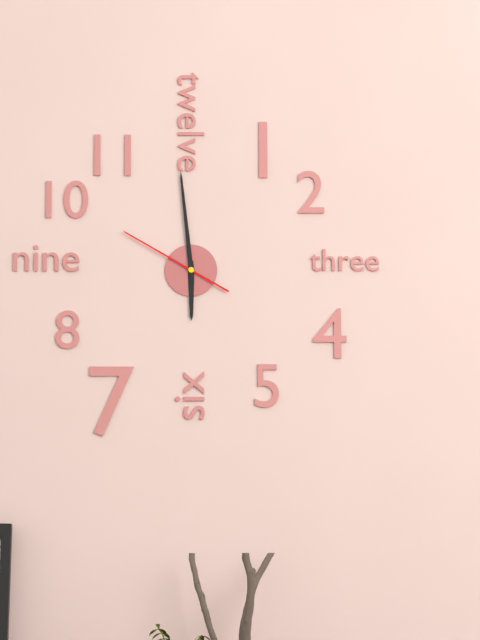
5 h 59 min 50 s
